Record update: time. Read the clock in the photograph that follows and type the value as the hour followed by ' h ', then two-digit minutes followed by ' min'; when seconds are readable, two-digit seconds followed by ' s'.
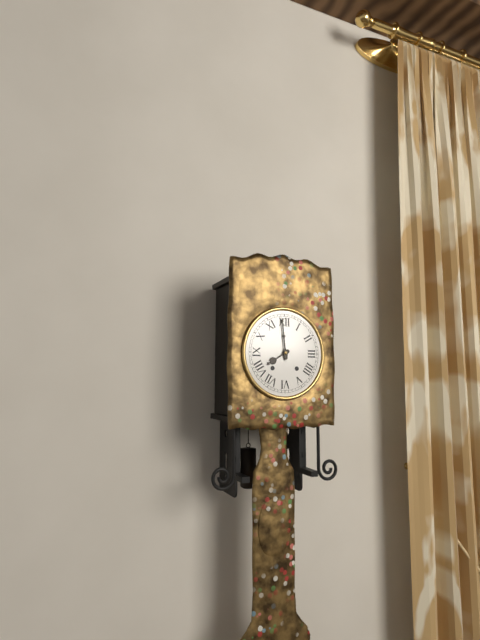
7 h 59 min
